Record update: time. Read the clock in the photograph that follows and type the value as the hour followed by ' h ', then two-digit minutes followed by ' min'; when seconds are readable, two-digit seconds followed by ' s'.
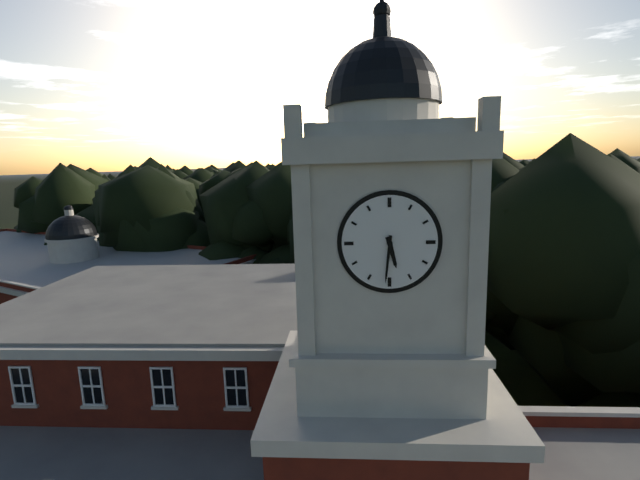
5 h 31 min
